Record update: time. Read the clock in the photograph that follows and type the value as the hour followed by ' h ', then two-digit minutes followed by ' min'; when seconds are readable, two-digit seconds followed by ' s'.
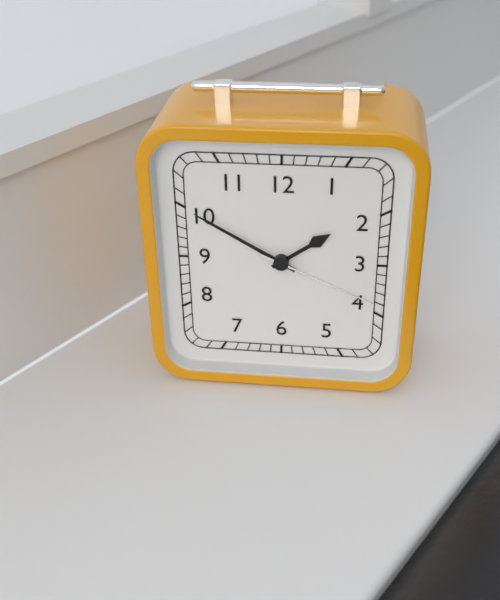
1 h 50 min 19 s
